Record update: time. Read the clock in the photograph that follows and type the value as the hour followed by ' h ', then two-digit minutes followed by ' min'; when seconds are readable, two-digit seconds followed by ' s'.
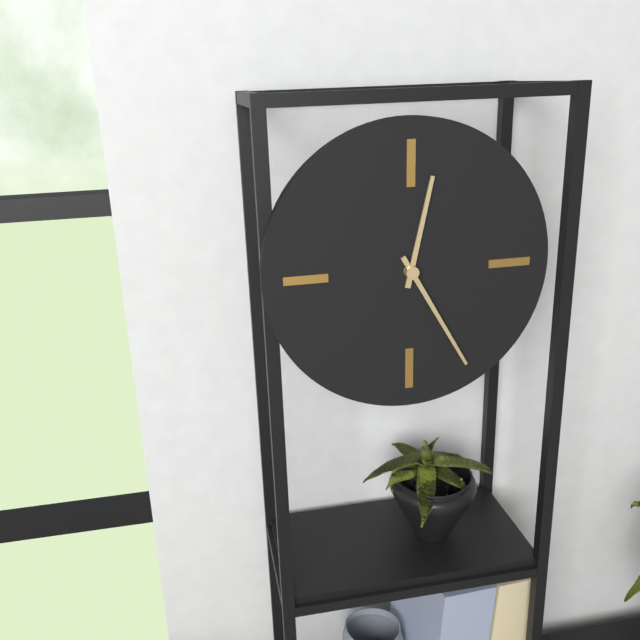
12 h 25 min
